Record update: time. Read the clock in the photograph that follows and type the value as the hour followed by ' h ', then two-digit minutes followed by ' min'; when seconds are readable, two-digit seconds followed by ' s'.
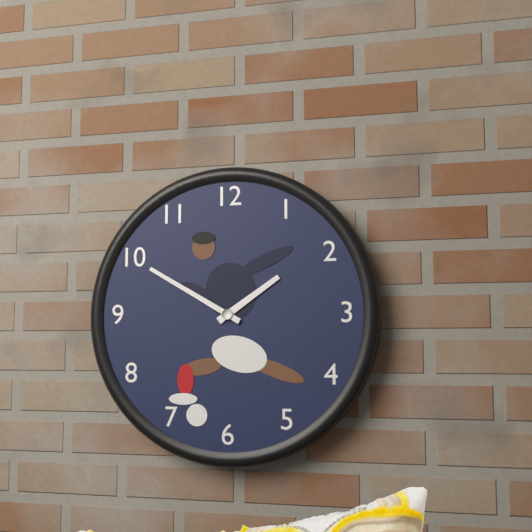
1 h 50 min
